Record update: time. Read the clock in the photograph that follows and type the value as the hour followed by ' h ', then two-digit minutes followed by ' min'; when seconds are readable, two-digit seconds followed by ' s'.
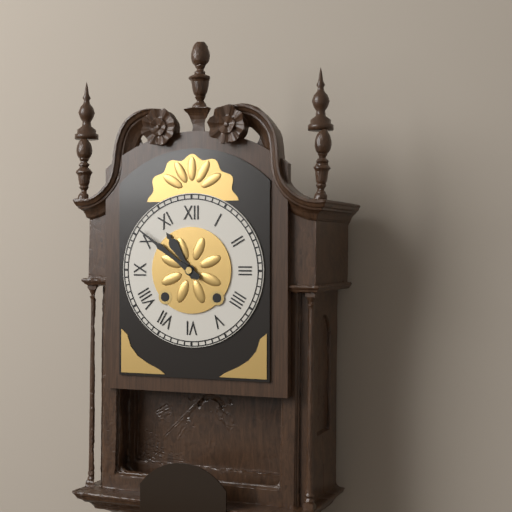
10 h 51 min
